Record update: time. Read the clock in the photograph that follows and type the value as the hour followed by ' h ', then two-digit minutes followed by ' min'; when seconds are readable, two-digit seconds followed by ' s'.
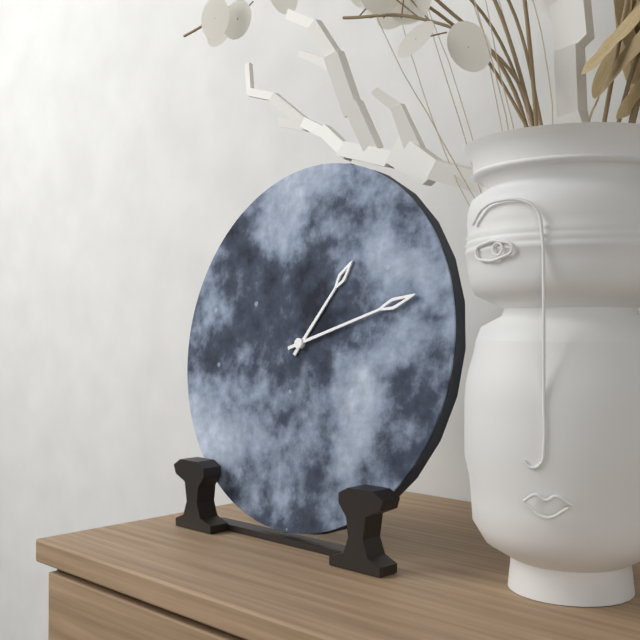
1 h 12 min
